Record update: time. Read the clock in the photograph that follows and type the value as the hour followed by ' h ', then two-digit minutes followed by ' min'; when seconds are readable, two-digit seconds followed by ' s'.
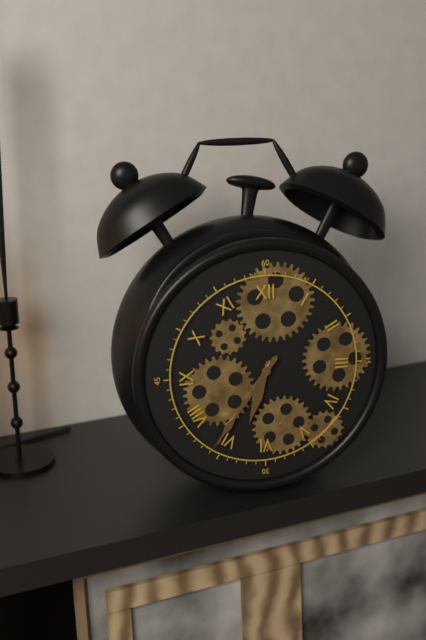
6 h 36 min
